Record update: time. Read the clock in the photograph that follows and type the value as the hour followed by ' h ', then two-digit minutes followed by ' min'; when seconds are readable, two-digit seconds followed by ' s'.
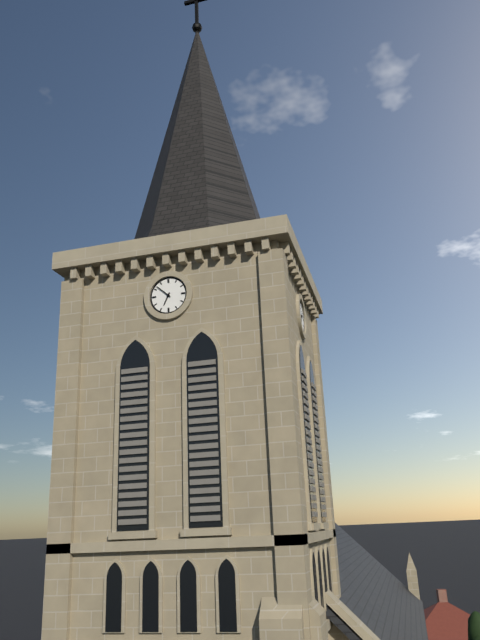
6 h 52 min
